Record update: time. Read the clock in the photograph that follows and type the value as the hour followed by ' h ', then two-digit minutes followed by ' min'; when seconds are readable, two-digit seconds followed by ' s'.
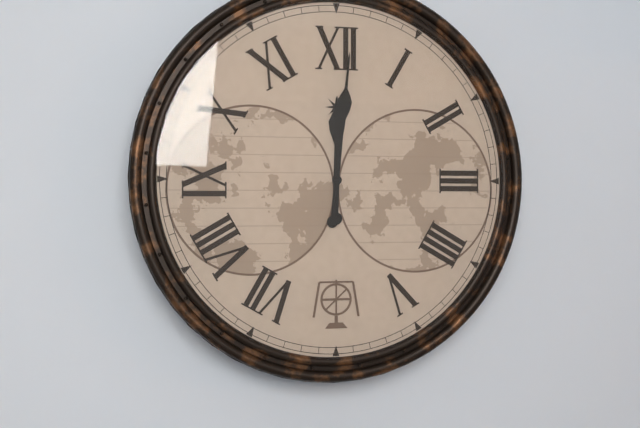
12 h 01 min
